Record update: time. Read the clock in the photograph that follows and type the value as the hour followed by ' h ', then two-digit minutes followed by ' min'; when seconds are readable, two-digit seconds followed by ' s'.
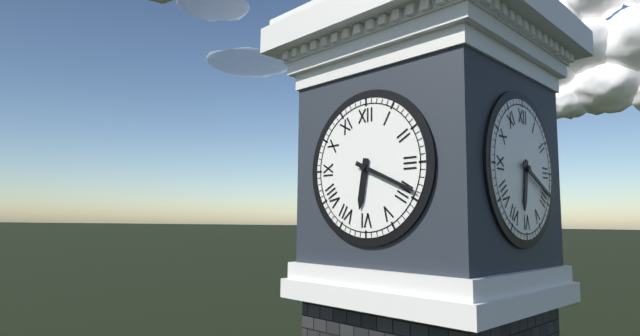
6 h 19 min
